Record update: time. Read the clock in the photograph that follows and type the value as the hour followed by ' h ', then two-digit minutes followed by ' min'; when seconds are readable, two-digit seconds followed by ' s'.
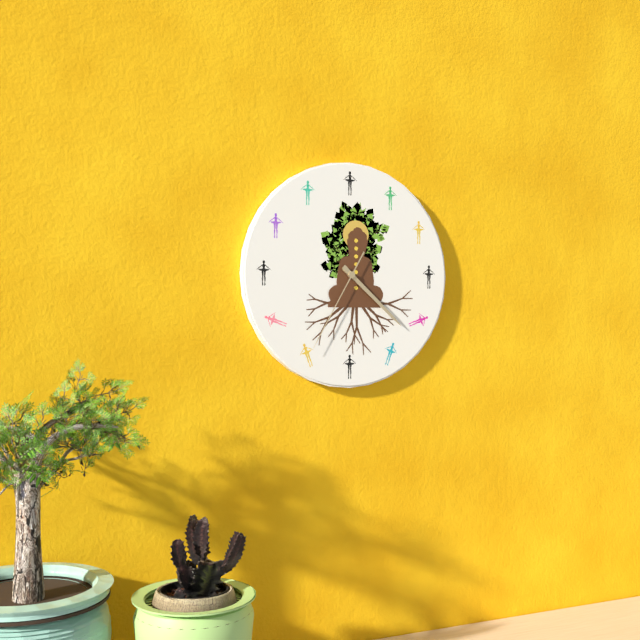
4 h 22 min 35 s
